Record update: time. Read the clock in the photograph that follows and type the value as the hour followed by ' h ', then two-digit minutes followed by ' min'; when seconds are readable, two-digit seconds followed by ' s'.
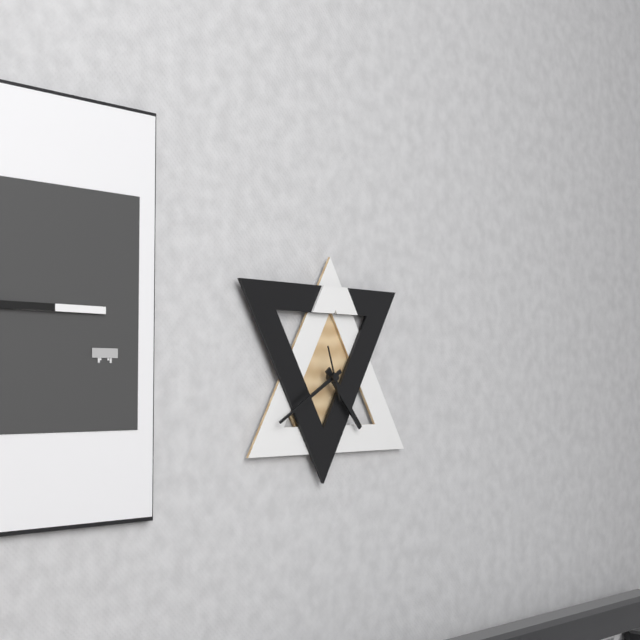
4 h 40 min
